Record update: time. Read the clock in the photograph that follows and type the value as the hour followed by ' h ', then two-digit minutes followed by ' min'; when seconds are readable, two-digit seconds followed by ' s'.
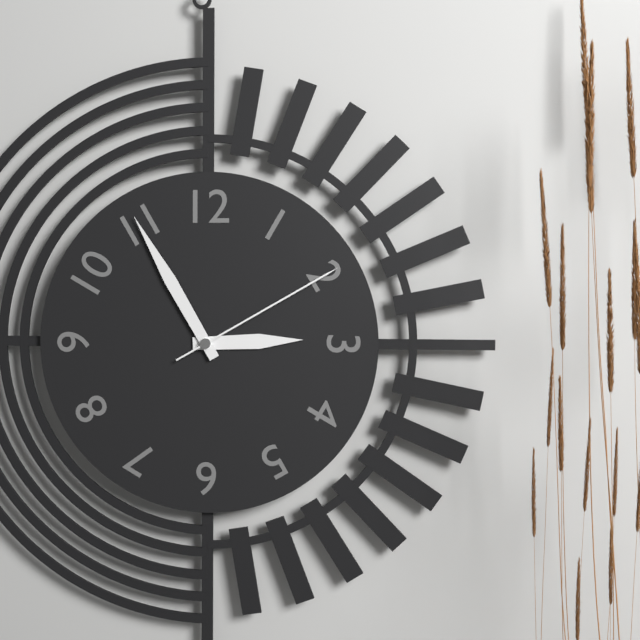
2 h 55 min 10 s
